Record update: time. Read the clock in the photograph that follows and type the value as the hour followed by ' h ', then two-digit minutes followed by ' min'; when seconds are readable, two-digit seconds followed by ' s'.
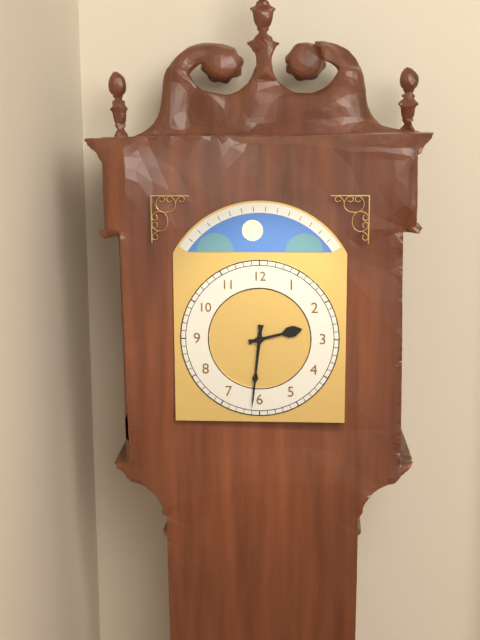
2 h 31 min
